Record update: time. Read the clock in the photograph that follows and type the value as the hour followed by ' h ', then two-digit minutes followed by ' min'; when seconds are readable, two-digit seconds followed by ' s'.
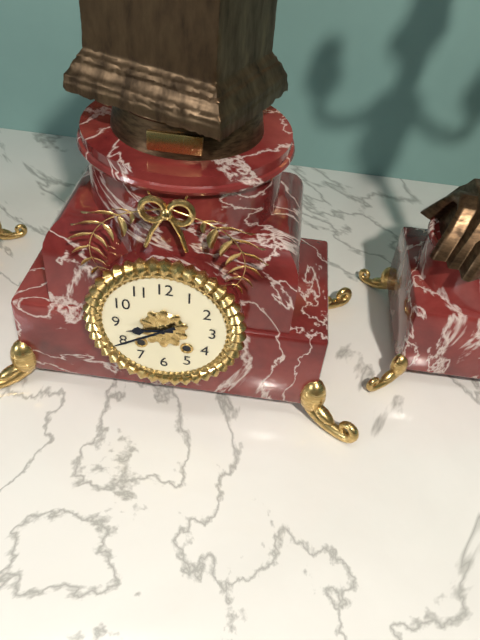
8 h 40 min
